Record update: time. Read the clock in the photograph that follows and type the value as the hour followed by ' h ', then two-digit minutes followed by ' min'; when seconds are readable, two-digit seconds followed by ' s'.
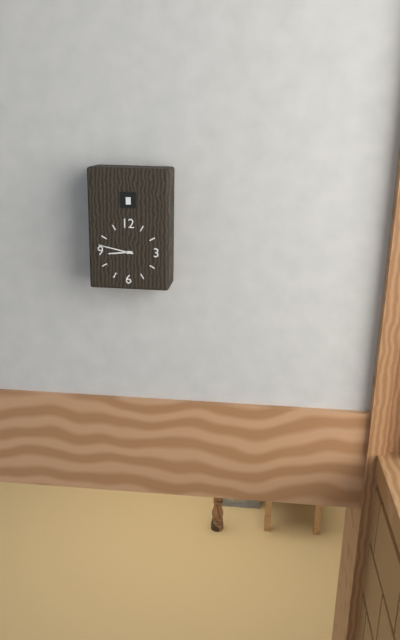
8 h 47 min
